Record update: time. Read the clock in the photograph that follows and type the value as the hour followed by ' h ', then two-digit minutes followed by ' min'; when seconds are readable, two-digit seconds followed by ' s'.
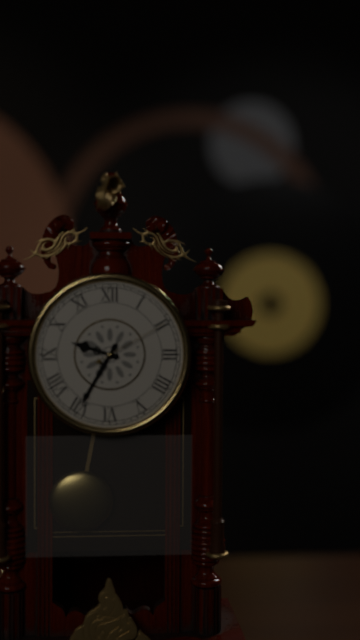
9 h 35 min 10 s
